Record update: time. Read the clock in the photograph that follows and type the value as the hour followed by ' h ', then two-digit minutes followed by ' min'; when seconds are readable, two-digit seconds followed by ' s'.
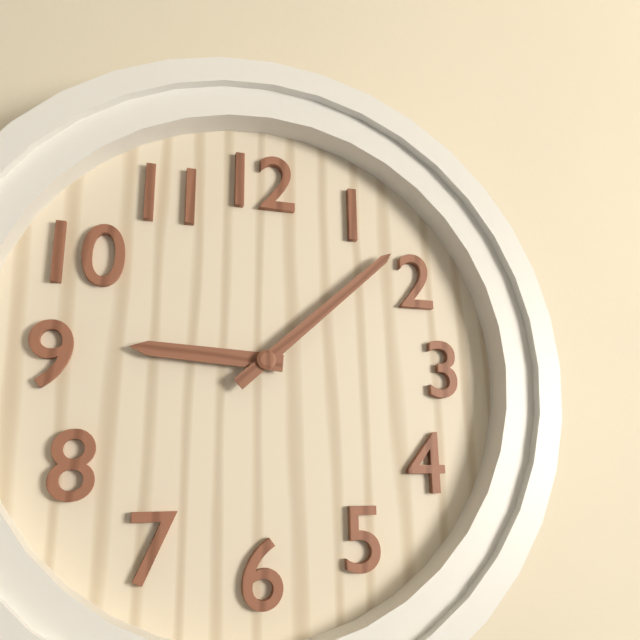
9 h 08 min
